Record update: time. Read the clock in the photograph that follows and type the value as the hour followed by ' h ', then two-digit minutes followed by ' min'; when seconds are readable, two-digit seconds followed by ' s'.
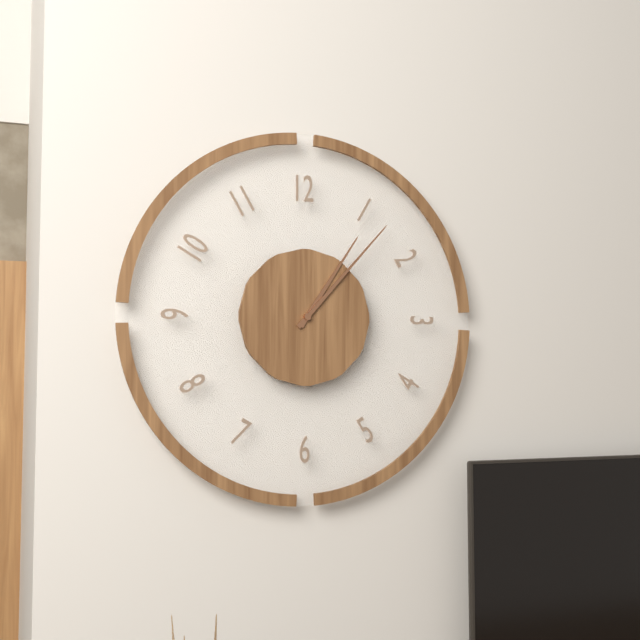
1 h 07 min
